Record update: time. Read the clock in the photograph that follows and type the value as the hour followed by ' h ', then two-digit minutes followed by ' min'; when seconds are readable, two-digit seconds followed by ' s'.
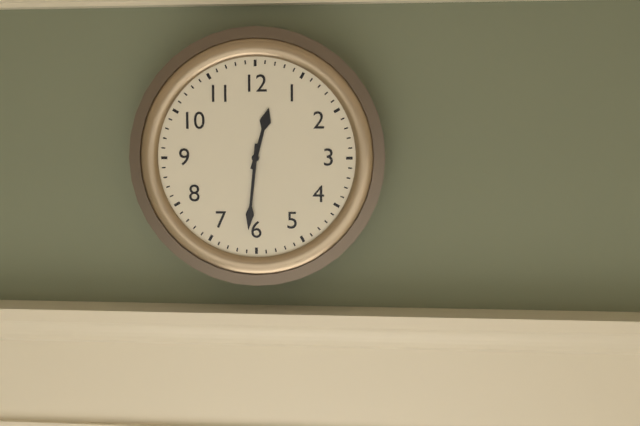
12 h 31 min
